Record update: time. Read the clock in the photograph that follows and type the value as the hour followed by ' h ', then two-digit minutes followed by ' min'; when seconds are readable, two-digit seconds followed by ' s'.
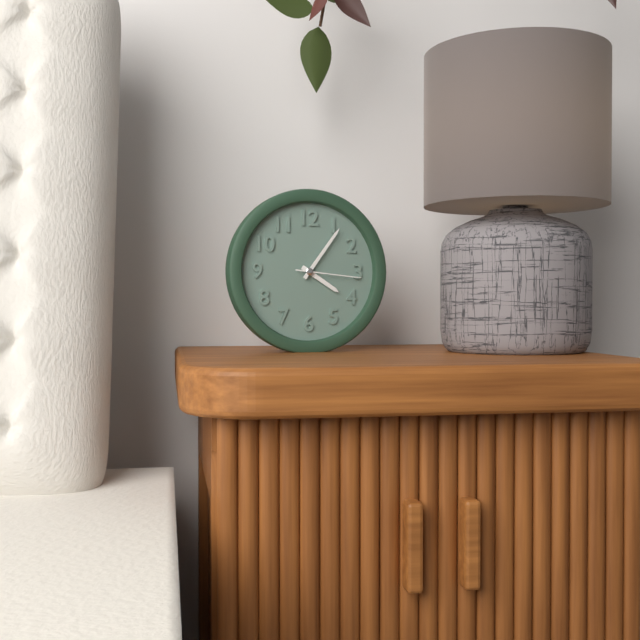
4 h 06 min 16 s
